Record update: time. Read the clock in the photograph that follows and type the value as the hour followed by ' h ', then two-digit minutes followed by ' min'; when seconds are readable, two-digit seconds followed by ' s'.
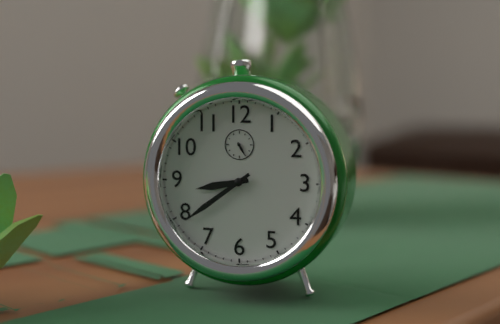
8 h 39 min
